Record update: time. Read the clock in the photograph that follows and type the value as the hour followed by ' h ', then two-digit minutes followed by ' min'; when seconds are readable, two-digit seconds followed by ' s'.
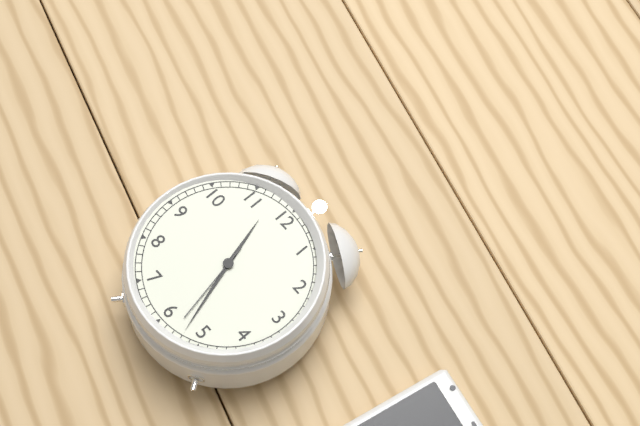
11 h 27 min 28 s
